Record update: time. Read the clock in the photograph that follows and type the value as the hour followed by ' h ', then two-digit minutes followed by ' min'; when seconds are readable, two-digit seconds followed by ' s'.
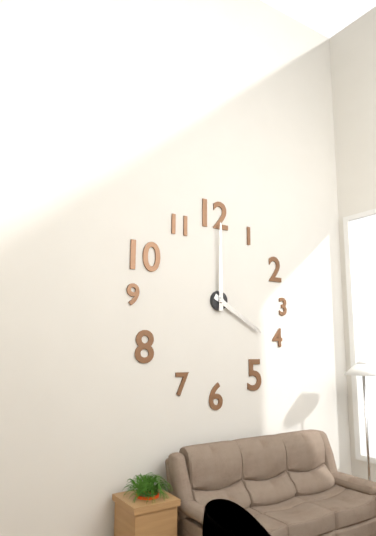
4 h 00 min
